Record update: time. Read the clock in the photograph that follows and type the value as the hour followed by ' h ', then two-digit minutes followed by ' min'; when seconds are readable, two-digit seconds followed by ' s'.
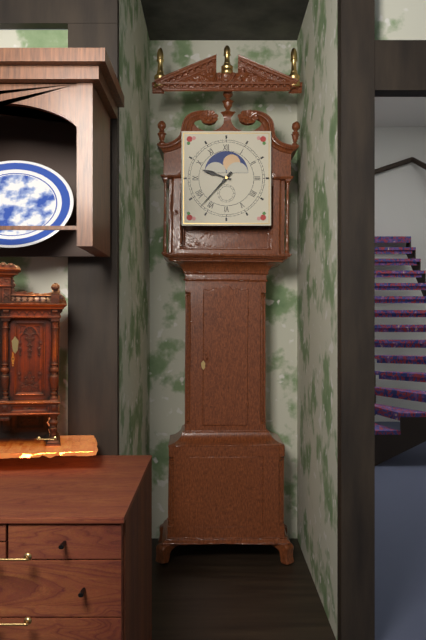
9 h 37 min
